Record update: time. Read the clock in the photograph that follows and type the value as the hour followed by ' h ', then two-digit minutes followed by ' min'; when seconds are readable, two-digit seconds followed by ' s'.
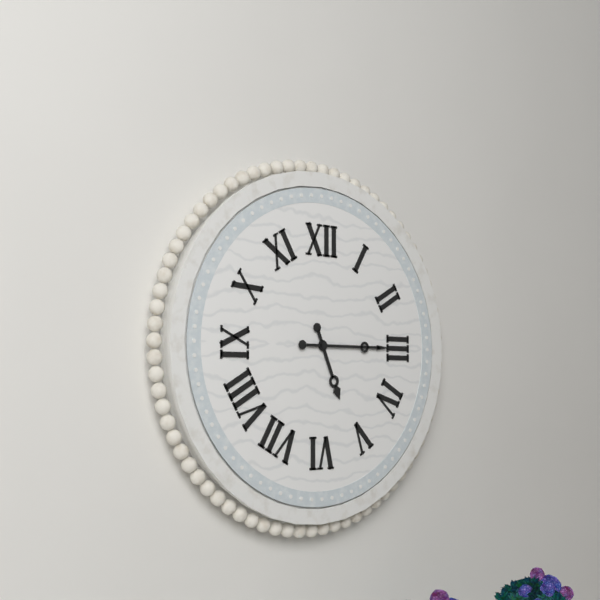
5 h 15 min
